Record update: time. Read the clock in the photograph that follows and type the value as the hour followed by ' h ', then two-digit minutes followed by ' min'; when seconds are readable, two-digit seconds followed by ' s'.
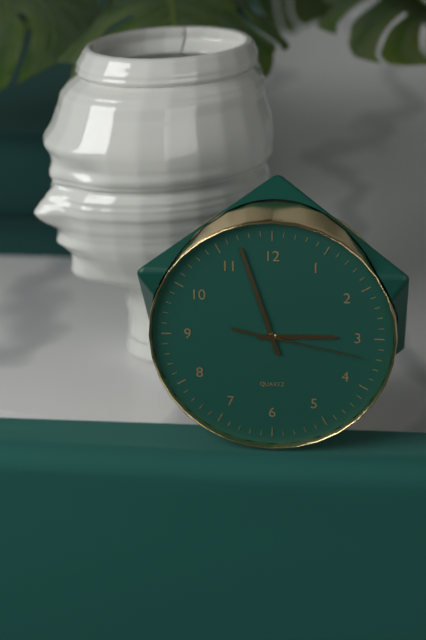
2 h 57 min 17 s
